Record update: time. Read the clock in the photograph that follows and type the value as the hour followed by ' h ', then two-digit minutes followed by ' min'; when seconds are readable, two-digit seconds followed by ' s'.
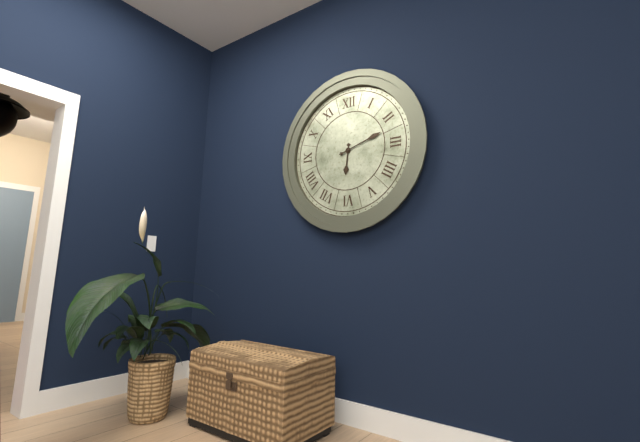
6 h 12 min
